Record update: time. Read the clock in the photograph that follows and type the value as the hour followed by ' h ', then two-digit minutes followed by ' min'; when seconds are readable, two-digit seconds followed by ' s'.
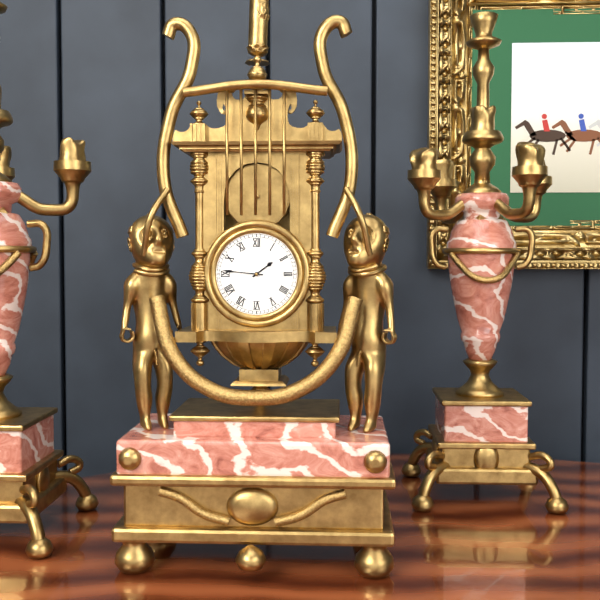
1 h 46 min
